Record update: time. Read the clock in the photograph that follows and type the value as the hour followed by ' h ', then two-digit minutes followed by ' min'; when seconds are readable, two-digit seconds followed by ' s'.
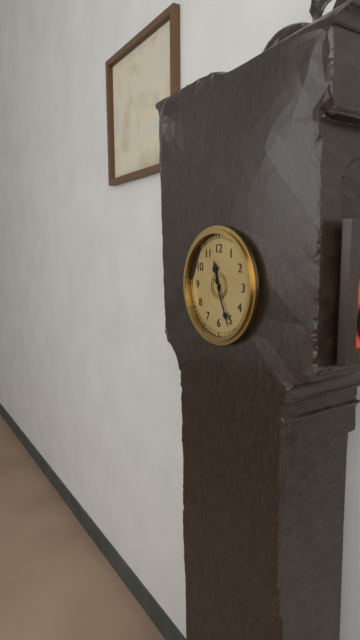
11 h 26 min
